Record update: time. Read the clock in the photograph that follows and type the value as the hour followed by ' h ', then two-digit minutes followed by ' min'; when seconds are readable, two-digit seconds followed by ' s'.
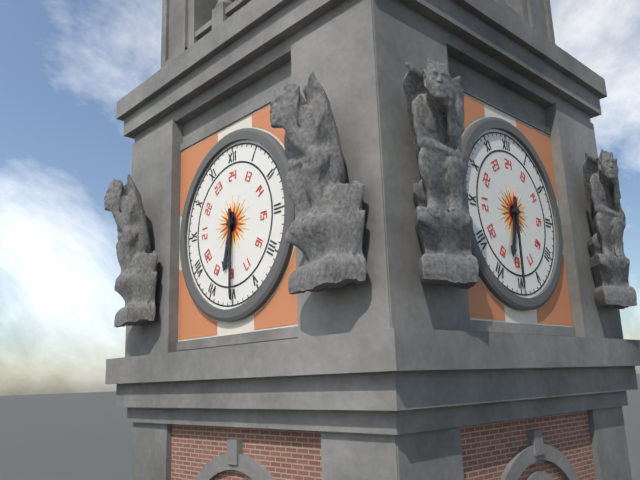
6 h 30 min
